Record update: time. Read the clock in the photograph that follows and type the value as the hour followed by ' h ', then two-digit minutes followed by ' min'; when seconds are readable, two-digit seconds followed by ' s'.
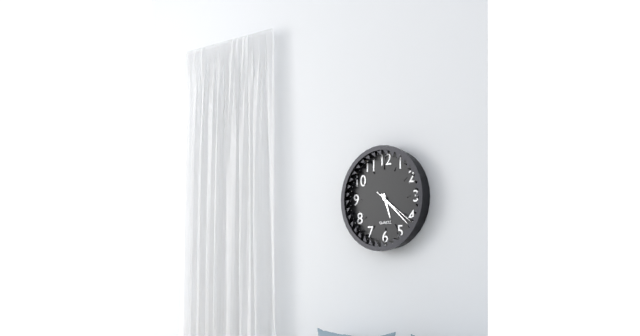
5 h 22 min
